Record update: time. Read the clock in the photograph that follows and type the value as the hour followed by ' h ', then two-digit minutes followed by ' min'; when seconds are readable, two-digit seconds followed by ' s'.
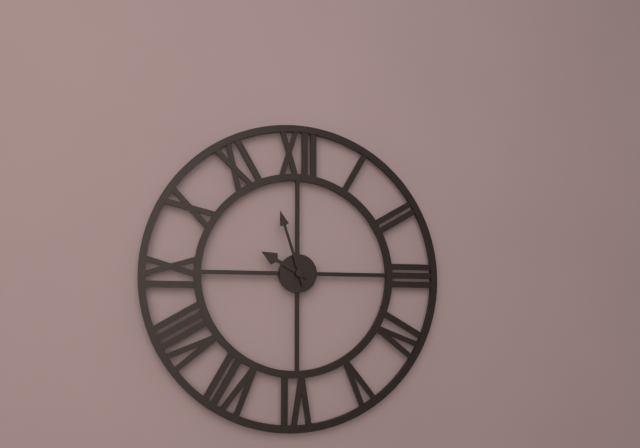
9 h 57 min
